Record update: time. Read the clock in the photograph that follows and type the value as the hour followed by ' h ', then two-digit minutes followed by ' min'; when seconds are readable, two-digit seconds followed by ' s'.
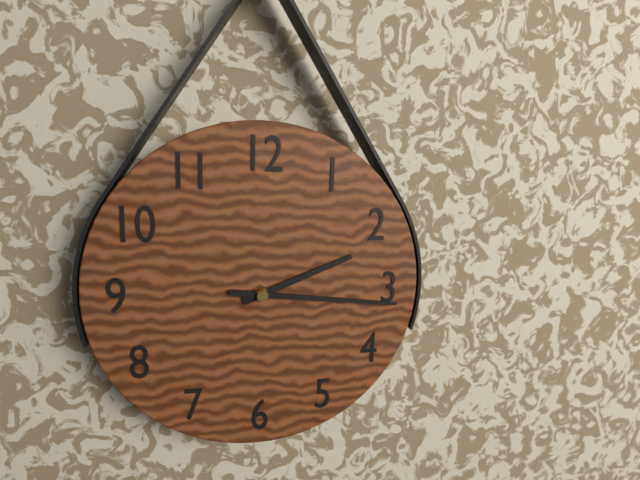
2 h 16 min
